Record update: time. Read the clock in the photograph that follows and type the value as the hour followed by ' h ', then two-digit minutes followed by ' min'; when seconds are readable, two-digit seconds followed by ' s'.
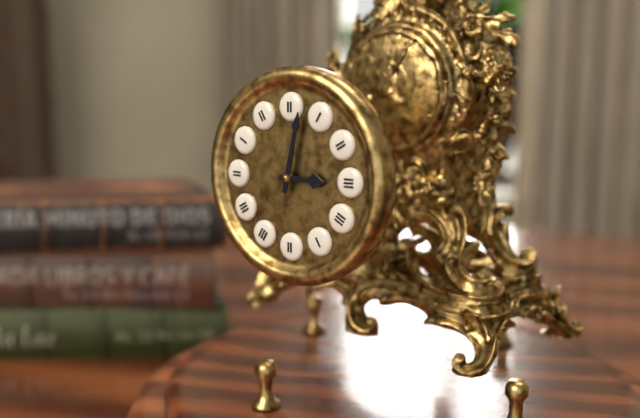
3 h 02 min
